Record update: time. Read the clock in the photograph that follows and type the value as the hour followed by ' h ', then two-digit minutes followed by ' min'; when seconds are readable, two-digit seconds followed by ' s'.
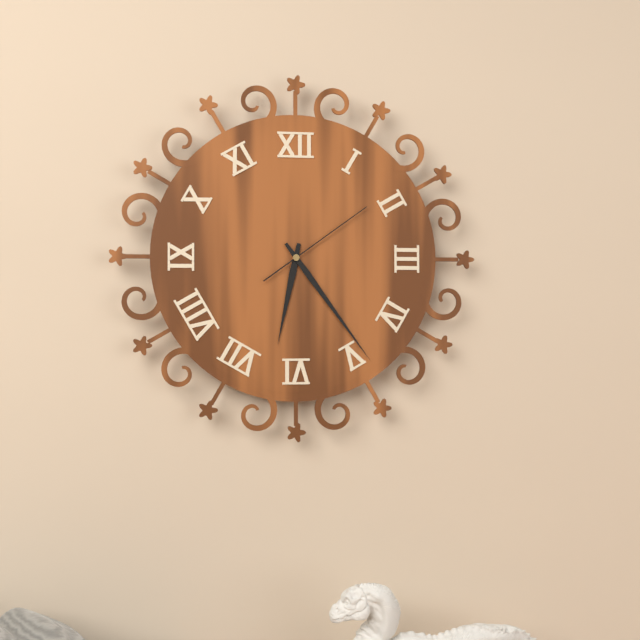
6 h 24 min 09 s
